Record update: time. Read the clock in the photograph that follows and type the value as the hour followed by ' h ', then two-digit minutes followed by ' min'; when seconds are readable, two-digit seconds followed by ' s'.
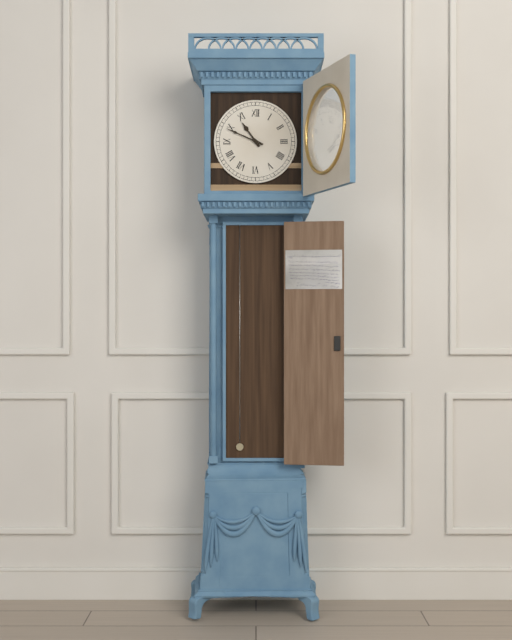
10 h 49 min
